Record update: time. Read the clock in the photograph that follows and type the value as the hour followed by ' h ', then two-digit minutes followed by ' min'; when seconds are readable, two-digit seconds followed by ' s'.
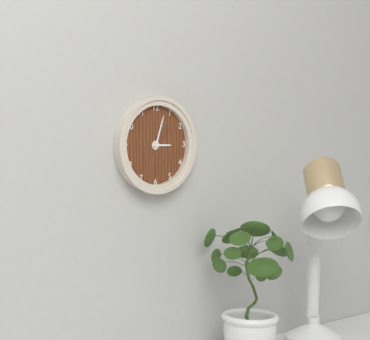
3 h 03 min
